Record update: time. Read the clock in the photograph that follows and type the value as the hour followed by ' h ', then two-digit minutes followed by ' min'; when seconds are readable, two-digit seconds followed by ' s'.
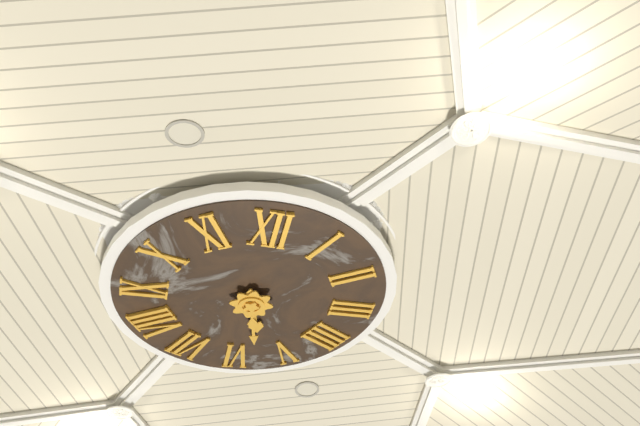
5 h 28 min
